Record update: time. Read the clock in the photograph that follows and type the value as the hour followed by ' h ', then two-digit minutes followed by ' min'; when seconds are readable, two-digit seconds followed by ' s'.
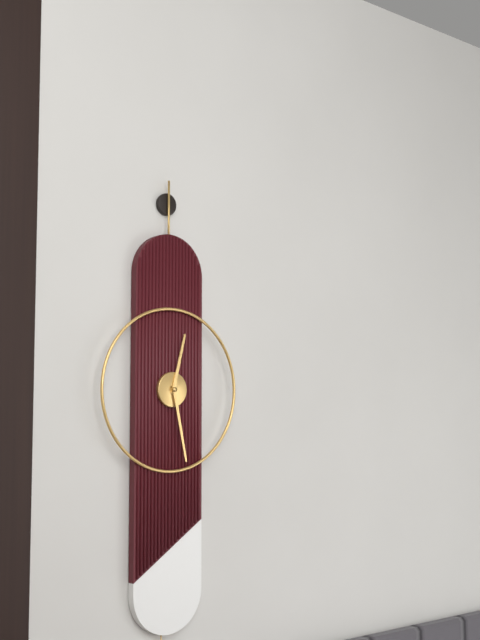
12 h 28 min
